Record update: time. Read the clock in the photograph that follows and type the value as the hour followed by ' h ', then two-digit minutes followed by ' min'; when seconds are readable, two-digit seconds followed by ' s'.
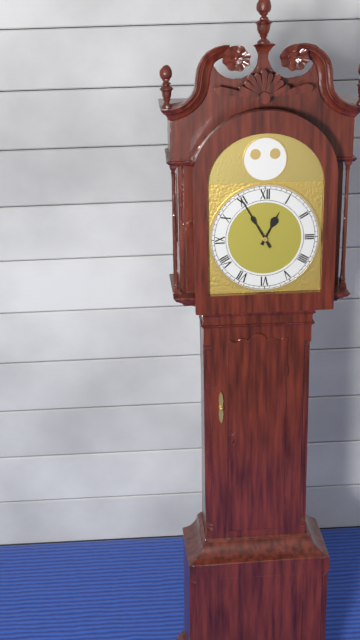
12 h 55 min
